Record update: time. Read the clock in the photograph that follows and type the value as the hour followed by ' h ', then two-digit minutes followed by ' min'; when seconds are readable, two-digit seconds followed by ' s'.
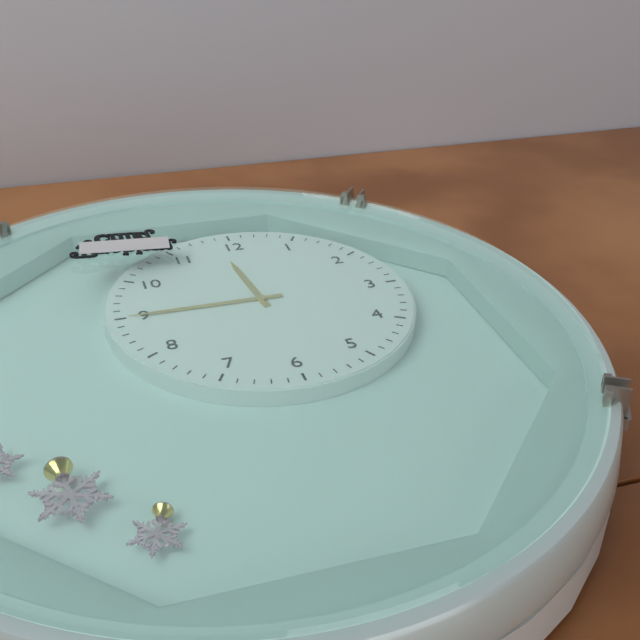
11 h 45 min
